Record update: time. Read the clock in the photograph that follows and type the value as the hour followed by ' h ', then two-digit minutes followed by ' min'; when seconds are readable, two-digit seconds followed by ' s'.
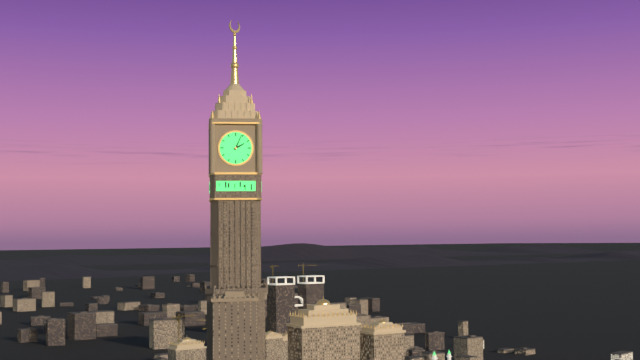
2 h 04 min
